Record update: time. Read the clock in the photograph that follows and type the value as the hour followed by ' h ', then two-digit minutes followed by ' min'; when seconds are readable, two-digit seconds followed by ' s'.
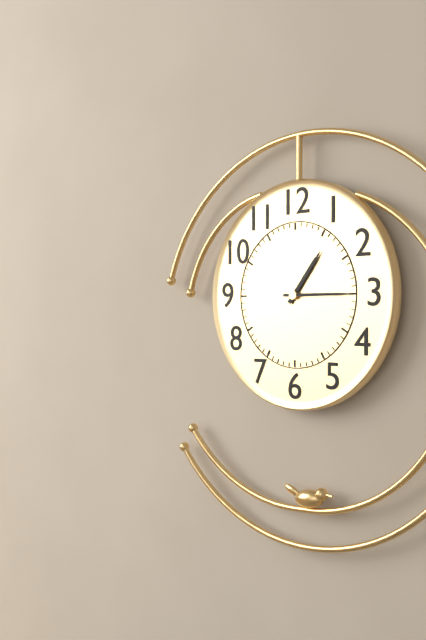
1 h 15 min
